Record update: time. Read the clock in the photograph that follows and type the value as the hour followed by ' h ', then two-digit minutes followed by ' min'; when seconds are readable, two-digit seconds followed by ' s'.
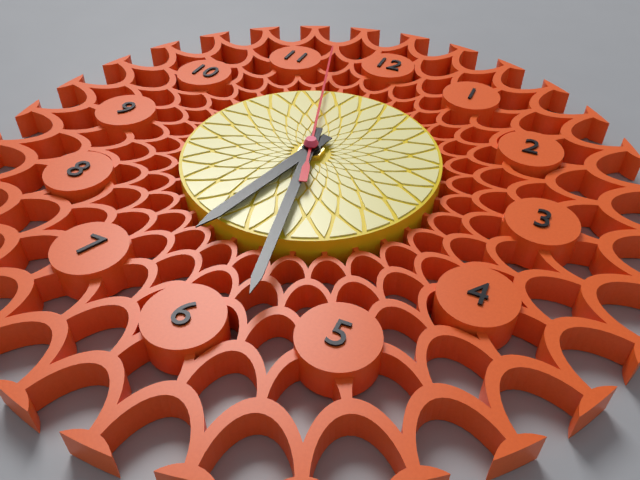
6 h 28 min 57 s
